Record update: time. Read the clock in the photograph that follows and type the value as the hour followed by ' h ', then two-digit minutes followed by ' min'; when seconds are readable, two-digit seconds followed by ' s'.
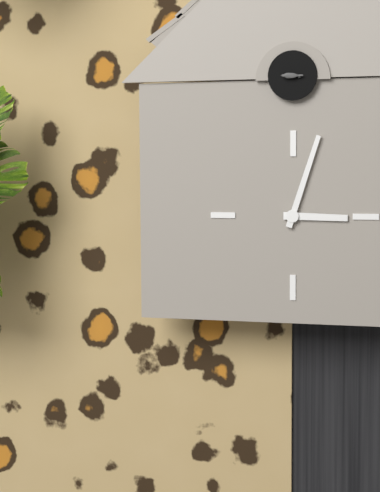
3 h 03 min
